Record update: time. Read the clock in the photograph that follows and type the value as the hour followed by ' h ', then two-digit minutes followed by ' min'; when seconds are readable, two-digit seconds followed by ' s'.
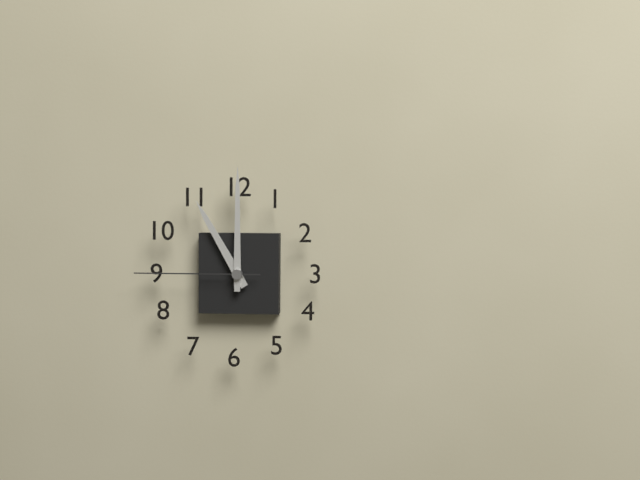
11 h 00 min 45 s
